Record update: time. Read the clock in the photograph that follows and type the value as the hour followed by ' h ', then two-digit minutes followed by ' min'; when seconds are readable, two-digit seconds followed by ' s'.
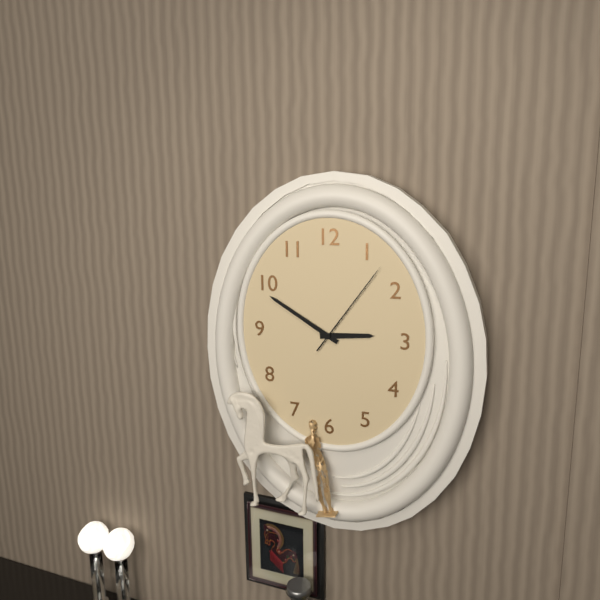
2 h 50 min 06 s
